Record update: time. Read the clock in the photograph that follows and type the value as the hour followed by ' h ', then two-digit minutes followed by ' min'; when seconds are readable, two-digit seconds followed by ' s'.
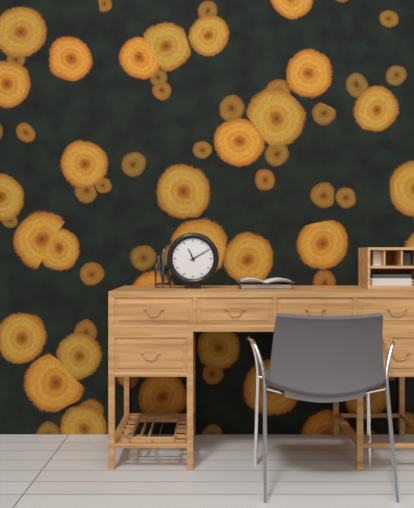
11 h 10 min
